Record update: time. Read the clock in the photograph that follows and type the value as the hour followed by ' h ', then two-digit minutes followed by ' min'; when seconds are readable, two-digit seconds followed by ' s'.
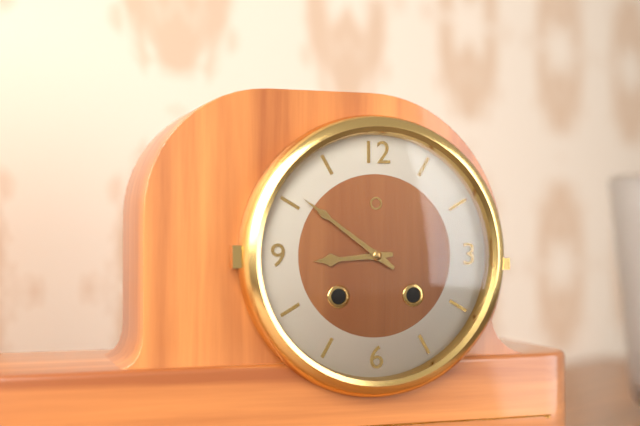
8 h 51 min
